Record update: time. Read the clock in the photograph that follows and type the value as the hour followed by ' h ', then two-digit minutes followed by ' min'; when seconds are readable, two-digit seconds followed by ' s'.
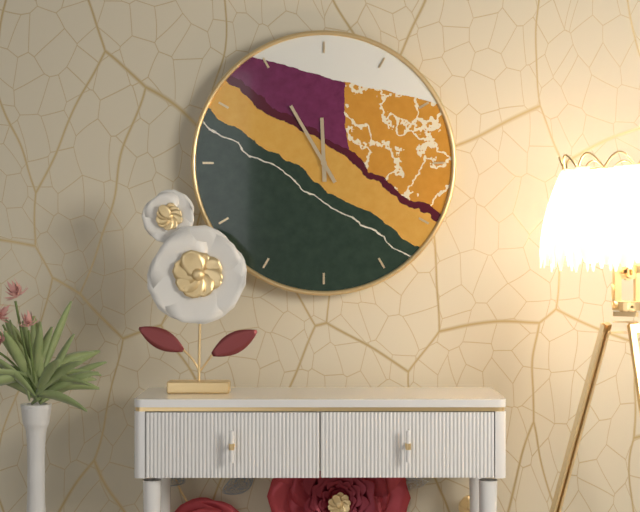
11 h 55 min
